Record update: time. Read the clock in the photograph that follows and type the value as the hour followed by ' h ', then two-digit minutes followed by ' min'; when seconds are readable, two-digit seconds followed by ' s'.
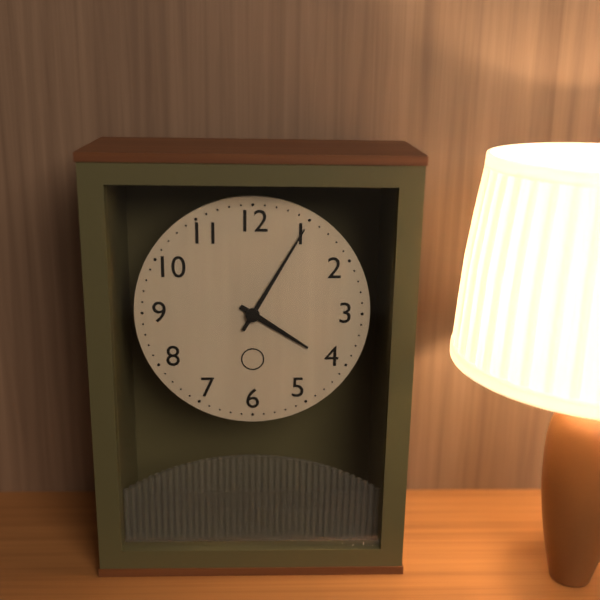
4 h 05 min
